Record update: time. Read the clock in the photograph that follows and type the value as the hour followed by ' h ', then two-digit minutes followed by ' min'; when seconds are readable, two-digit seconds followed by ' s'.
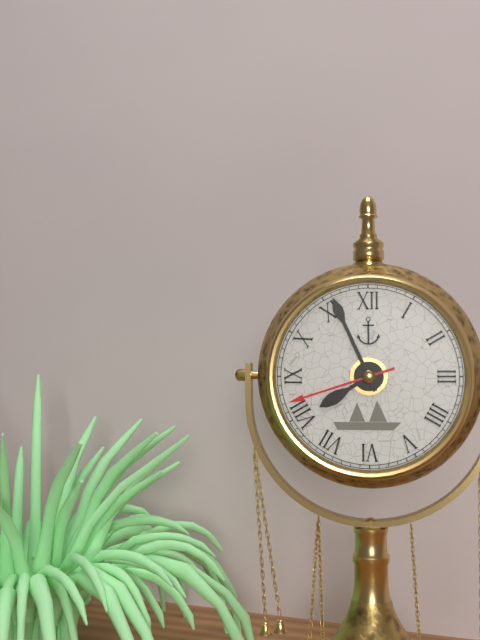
7 h 56 min 42 s
